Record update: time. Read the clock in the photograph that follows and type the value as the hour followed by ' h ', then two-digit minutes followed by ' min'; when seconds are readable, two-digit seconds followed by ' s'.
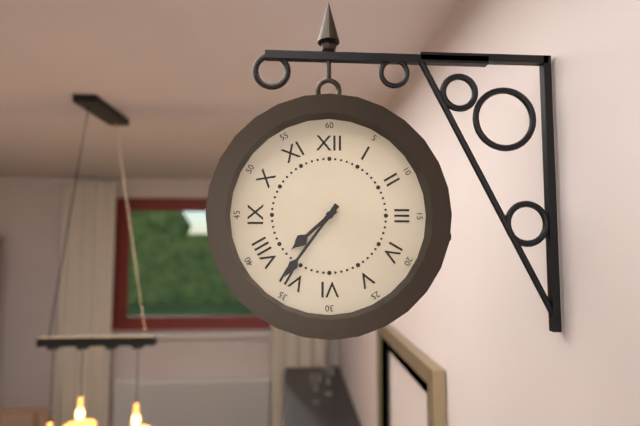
7 h 36 min
